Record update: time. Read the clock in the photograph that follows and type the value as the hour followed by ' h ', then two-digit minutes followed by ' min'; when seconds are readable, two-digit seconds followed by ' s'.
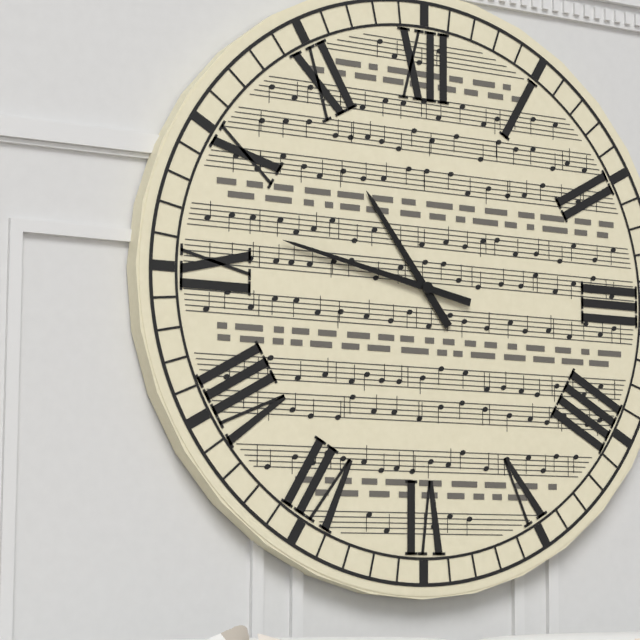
10 h 47 min
